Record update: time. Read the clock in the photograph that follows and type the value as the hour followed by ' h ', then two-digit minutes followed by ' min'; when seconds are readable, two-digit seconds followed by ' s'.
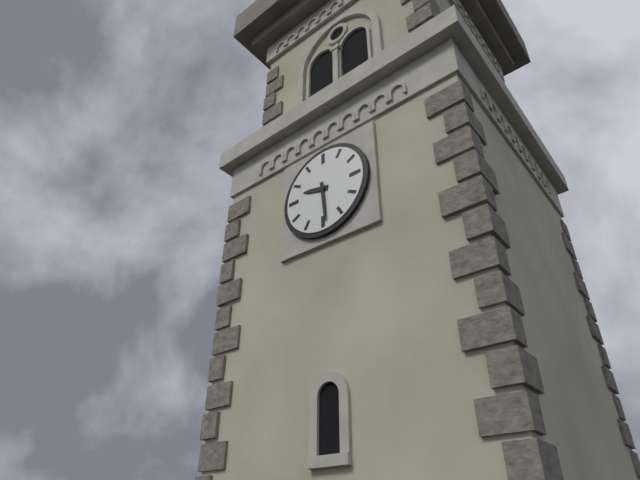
9 h 29 min
